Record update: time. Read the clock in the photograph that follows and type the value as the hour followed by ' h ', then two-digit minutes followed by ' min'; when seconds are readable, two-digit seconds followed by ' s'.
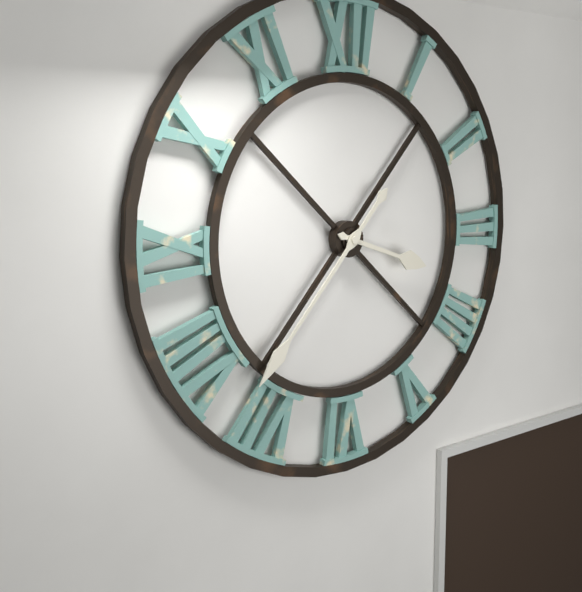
3 h 37 min
